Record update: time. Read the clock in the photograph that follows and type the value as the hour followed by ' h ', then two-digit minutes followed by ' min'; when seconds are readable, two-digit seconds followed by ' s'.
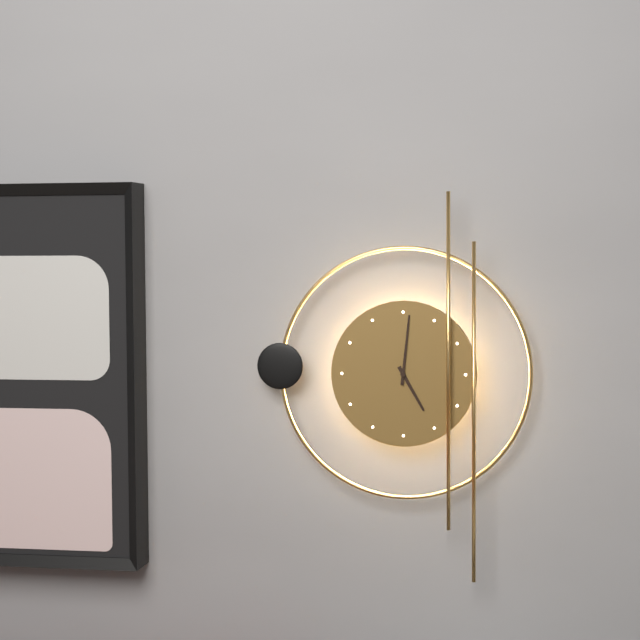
5 h 01 min
